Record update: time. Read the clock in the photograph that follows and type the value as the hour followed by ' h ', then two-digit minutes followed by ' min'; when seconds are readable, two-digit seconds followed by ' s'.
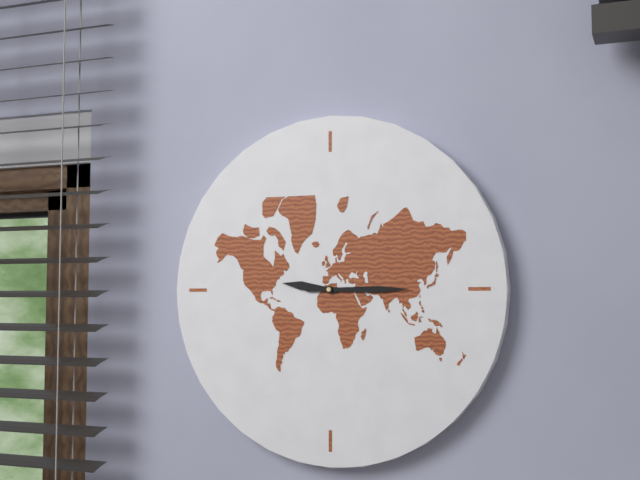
9 h 15 min
